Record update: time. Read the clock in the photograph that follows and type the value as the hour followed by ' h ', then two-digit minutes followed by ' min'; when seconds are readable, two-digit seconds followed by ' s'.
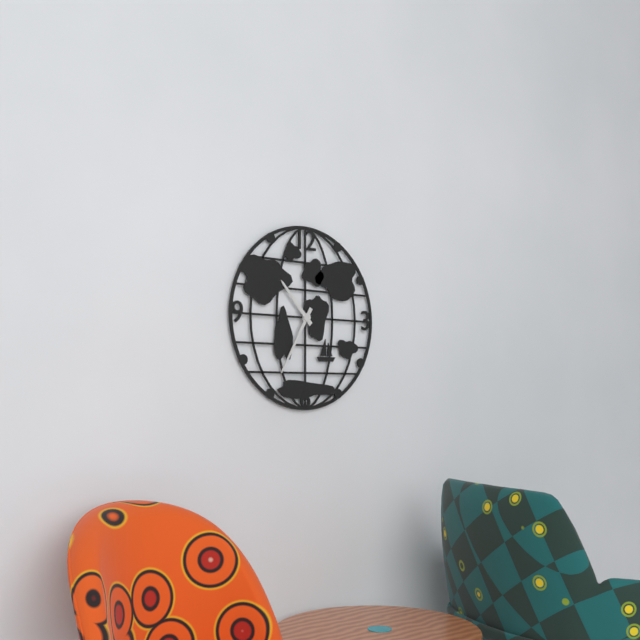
10 h 35 min
